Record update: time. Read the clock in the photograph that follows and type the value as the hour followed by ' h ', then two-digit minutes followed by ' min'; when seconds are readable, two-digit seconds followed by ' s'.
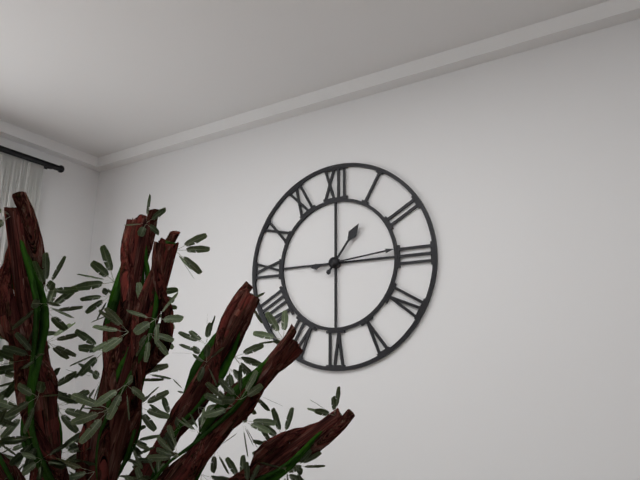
1 h 14 min
